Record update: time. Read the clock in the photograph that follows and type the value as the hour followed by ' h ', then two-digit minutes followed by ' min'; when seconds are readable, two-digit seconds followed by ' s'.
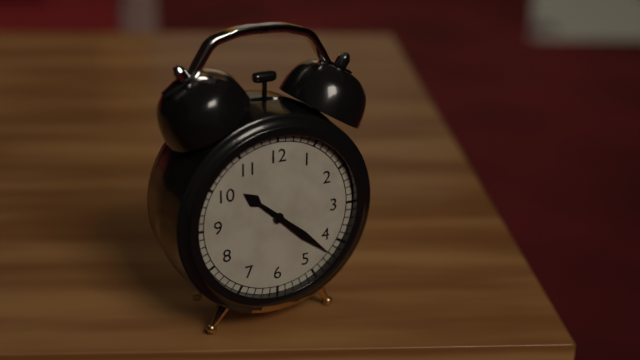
10 h 22 min
